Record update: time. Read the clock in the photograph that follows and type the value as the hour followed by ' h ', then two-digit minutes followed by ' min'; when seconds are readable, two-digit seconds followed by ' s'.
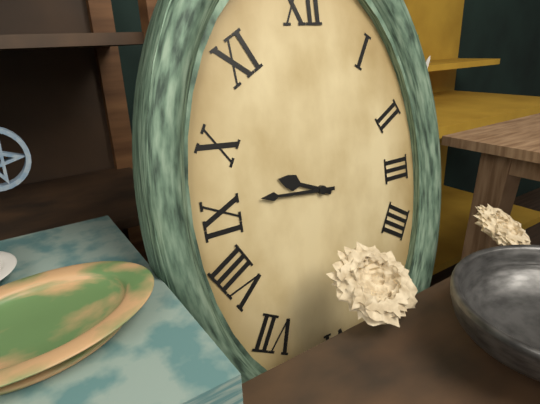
9 h 46 min
